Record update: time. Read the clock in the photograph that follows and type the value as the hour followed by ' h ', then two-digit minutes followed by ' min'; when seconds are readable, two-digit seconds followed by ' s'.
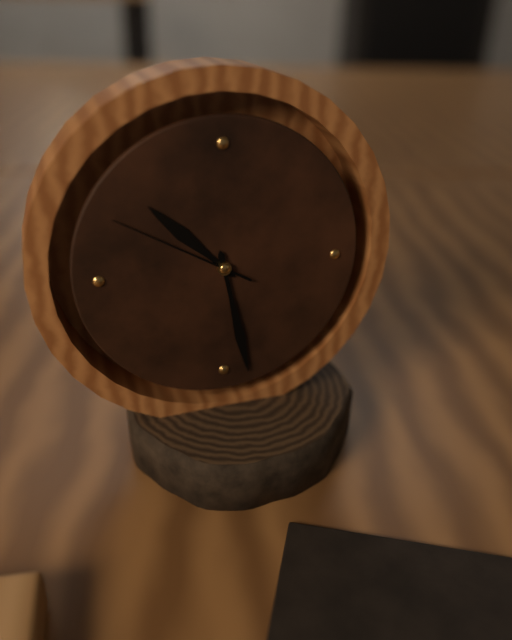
10 h 28 min 50 s
